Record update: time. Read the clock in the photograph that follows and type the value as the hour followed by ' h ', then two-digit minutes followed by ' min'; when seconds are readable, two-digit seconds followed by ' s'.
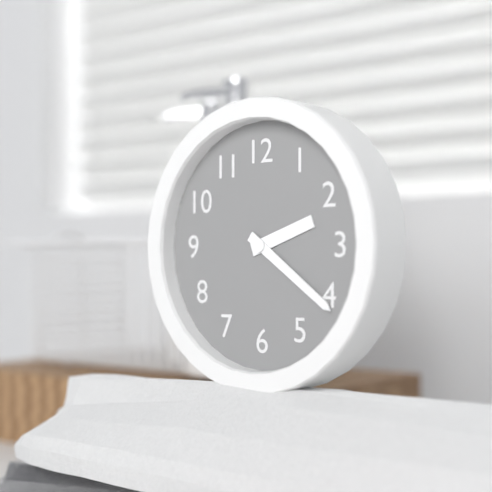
2 h 21 min
